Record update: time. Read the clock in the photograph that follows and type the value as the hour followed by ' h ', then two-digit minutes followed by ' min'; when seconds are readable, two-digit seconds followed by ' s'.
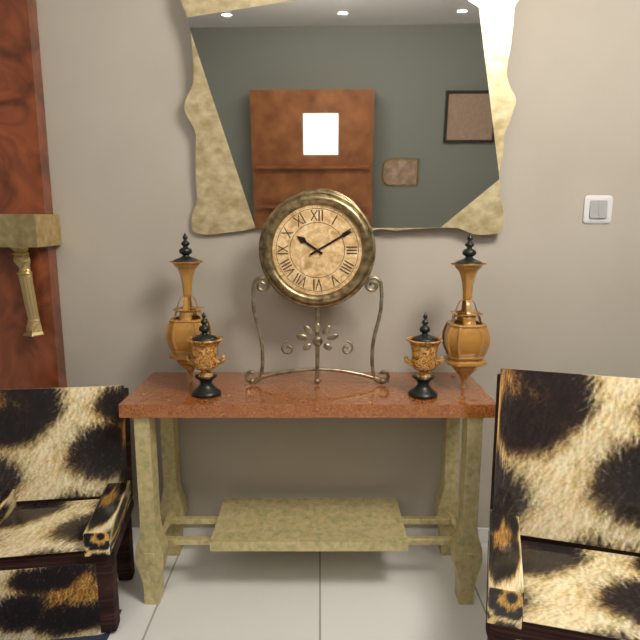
10 h 10 min
